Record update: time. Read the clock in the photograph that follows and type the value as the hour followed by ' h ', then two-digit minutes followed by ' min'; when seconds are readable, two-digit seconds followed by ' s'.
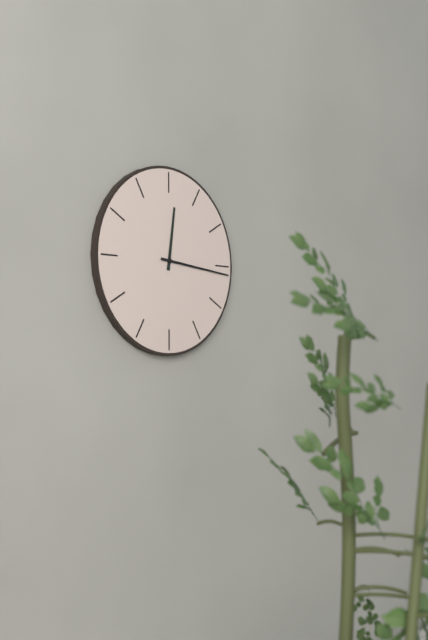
12 h 16 min
